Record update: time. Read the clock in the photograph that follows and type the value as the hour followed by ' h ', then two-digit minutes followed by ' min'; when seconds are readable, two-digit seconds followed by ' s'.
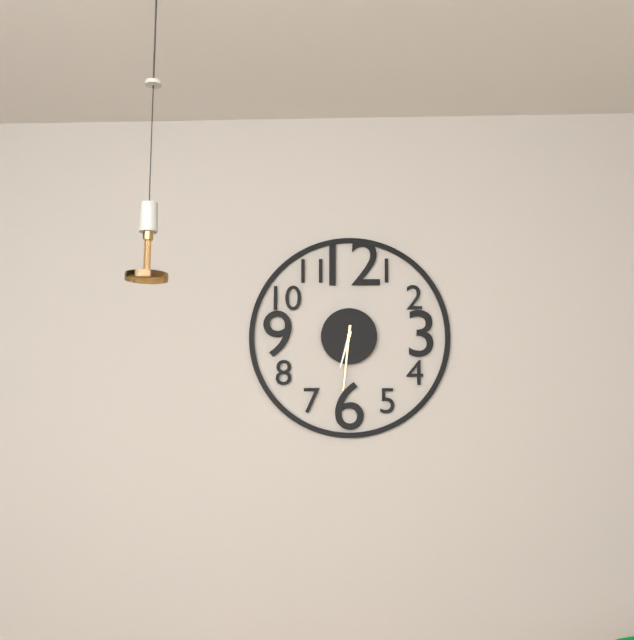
6 h 31 min
